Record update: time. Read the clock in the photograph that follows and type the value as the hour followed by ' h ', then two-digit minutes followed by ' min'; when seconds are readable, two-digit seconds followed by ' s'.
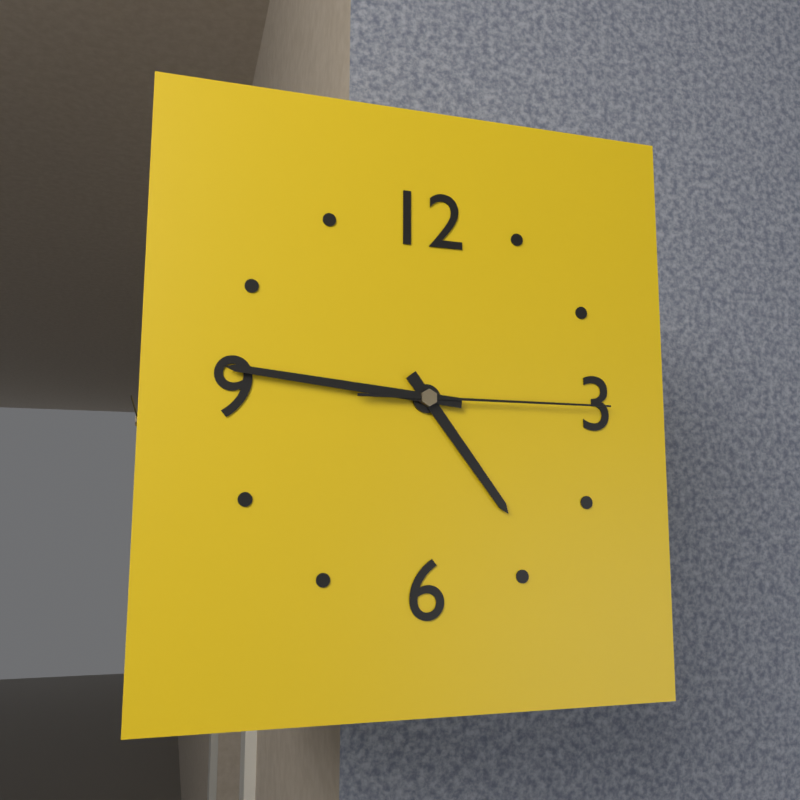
4 h 46 min 15 s
